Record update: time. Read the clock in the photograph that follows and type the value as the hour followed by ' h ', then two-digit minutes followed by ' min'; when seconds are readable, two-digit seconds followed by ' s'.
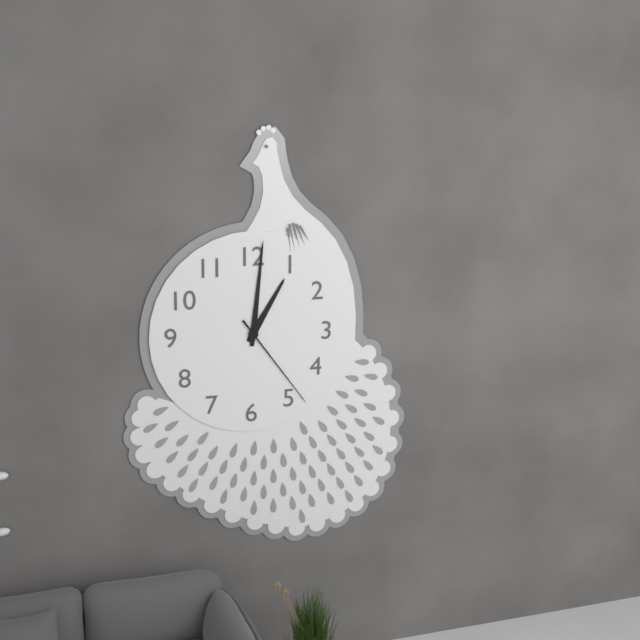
1 h 01 min 24 s
